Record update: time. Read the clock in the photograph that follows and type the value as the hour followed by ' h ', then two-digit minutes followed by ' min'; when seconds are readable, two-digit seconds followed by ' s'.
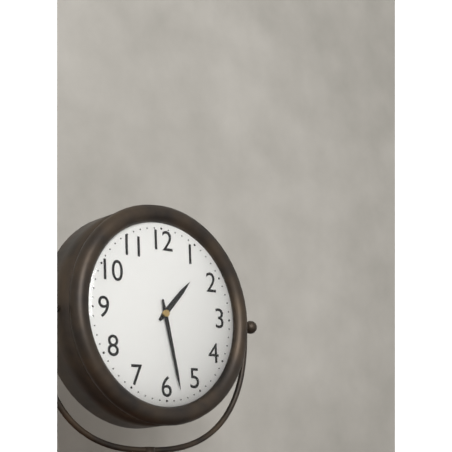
1 h 28 min
